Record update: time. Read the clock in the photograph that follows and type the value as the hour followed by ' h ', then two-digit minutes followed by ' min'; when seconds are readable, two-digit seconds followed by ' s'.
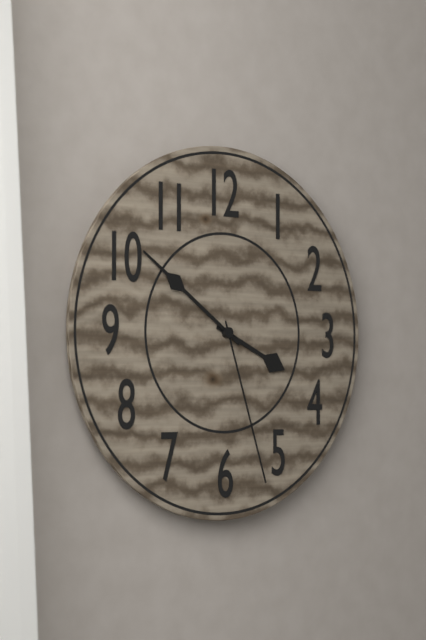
3 h 51 min 27 s
